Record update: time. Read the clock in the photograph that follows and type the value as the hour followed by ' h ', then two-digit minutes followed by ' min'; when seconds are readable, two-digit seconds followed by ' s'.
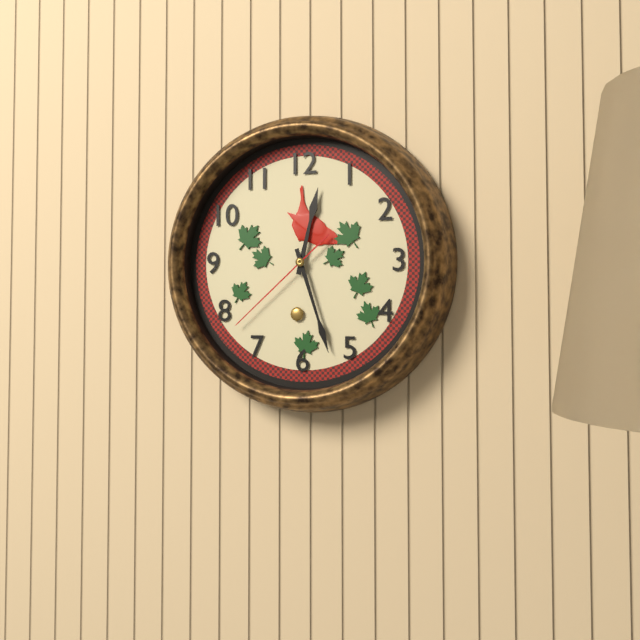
12 h 27 min 38 s
